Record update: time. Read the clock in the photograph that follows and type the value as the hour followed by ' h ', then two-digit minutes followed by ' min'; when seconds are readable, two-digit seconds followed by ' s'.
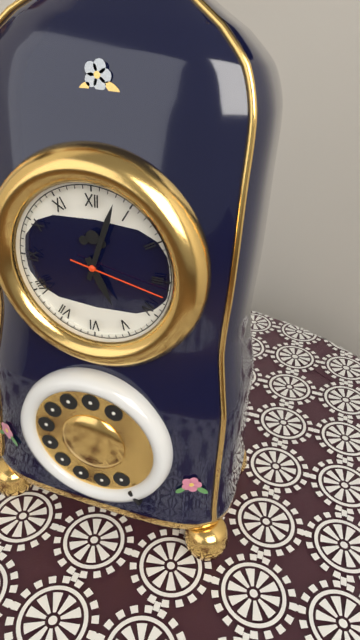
5 h 03 min 17 s
